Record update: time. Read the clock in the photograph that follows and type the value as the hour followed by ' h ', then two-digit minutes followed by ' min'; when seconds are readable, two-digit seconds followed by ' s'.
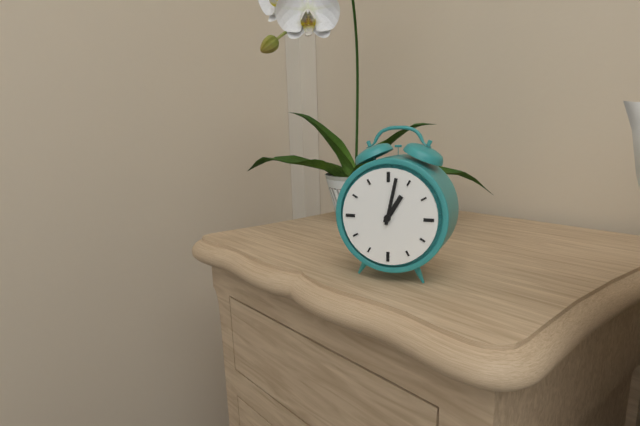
1 h 02 min
